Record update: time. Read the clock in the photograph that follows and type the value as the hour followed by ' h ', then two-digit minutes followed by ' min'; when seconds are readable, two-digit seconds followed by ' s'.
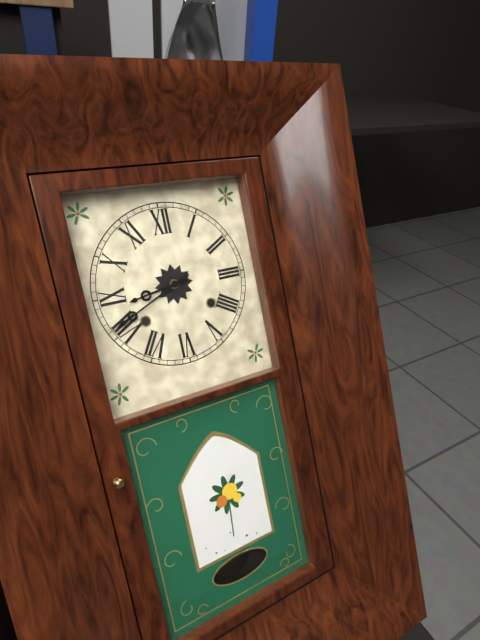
8 h 41 min
